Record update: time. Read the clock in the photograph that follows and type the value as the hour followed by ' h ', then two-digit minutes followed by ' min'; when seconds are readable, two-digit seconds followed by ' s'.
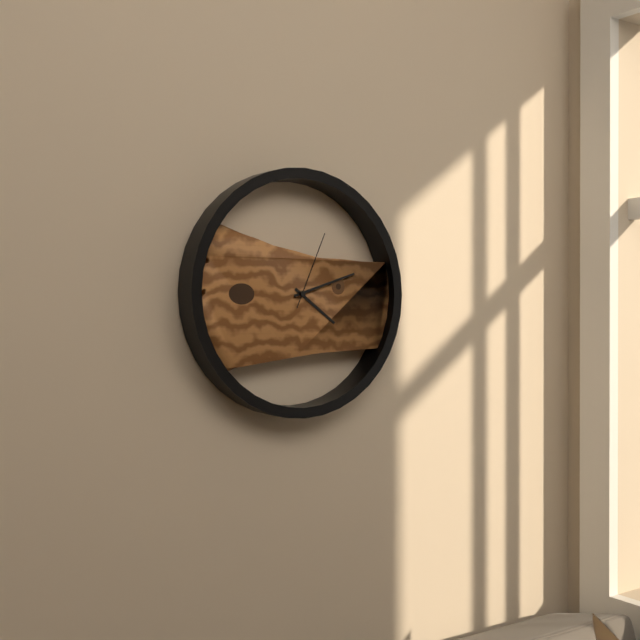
4 h 12 min 04 s
